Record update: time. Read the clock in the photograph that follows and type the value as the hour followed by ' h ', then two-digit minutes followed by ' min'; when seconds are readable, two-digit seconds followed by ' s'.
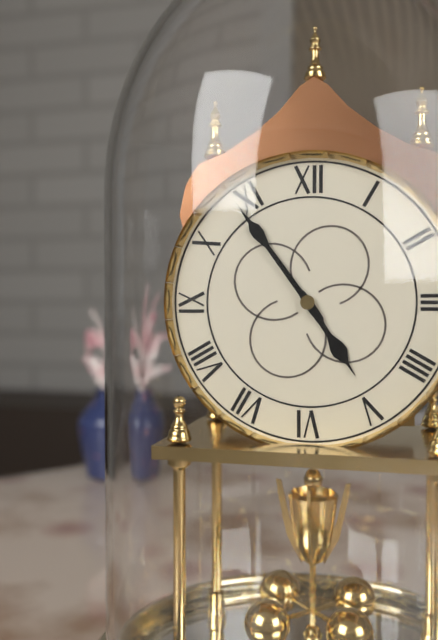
4 h 54 min
